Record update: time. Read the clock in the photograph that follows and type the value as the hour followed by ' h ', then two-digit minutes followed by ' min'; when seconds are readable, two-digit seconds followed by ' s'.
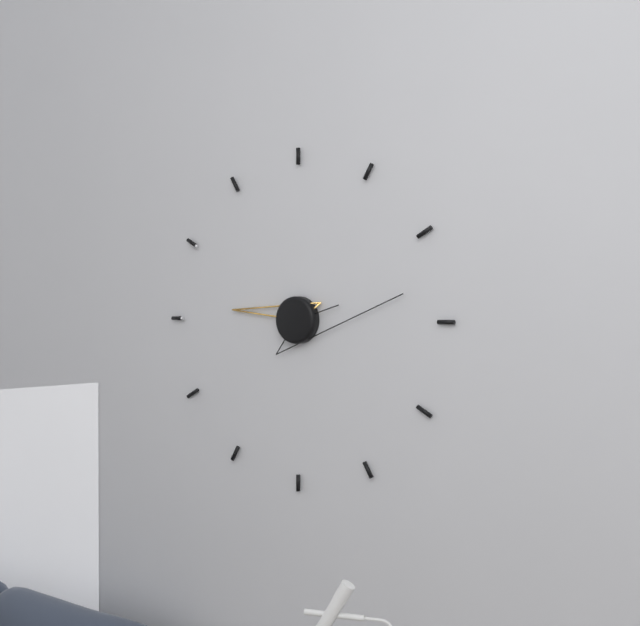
9 h 13 min
